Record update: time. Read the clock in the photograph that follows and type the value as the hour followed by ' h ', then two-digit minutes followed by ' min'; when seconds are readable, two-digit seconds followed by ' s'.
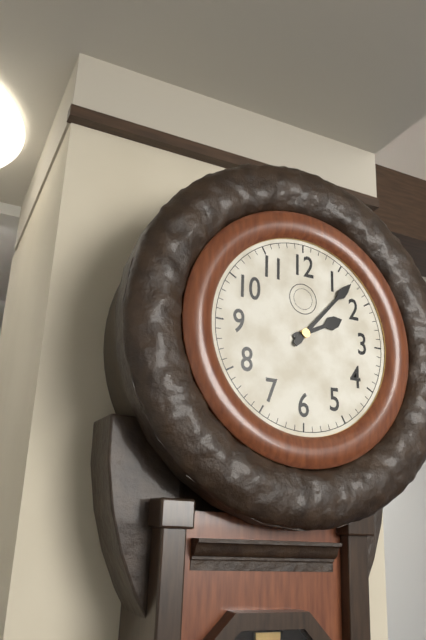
2 h 07 min
